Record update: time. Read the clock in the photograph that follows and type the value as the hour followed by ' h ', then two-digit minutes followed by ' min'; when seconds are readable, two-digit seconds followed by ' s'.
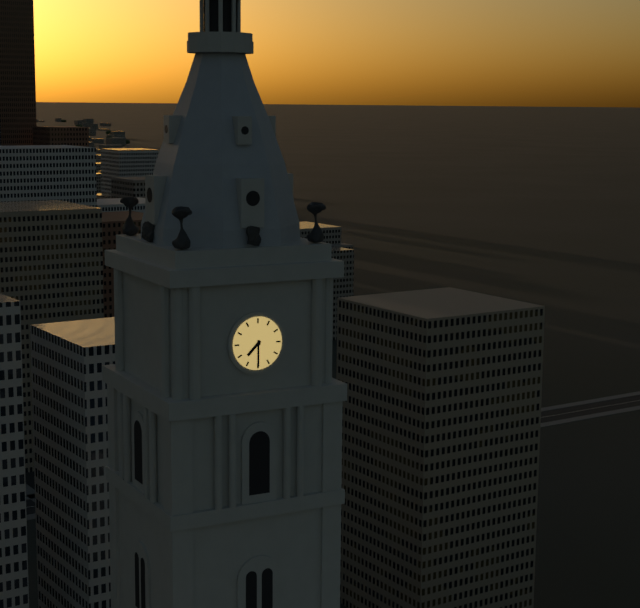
7 h 30 min
